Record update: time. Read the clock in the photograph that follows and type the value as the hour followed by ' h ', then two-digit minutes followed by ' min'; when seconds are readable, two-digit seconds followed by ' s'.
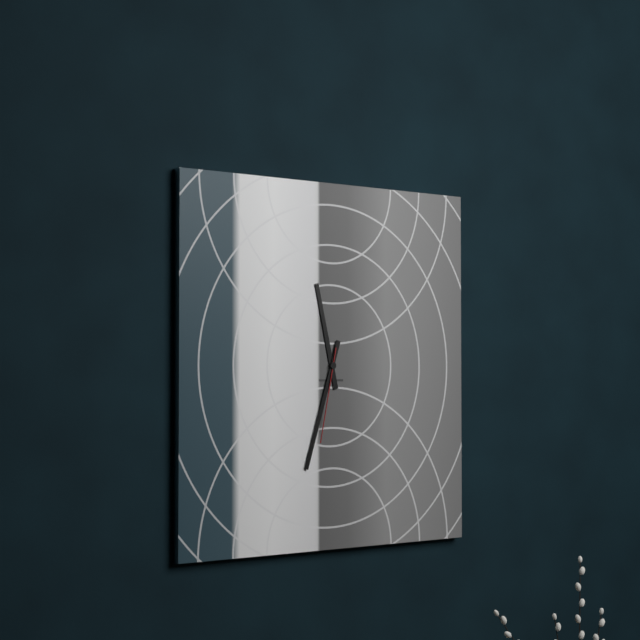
11 h 33 min 32 s
